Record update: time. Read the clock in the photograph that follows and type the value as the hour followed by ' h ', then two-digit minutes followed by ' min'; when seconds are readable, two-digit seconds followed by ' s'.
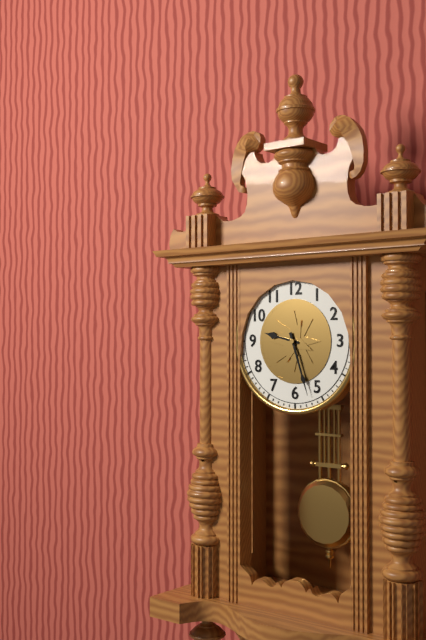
9 h 27 min
